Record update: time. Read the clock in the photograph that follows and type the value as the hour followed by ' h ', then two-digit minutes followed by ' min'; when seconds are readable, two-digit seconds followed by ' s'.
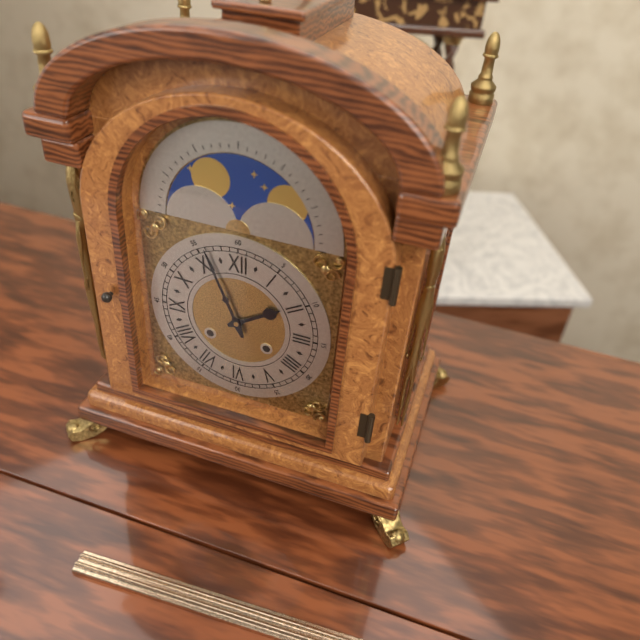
1 h 56 min
